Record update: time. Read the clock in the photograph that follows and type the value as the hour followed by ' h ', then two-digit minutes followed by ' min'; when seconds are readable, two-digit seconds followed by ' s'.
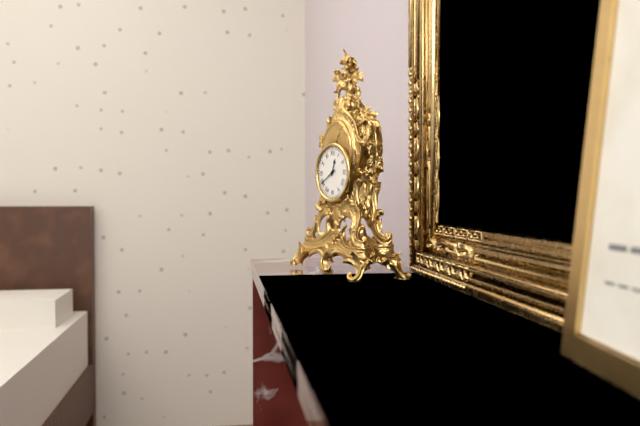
12 h 40 min
